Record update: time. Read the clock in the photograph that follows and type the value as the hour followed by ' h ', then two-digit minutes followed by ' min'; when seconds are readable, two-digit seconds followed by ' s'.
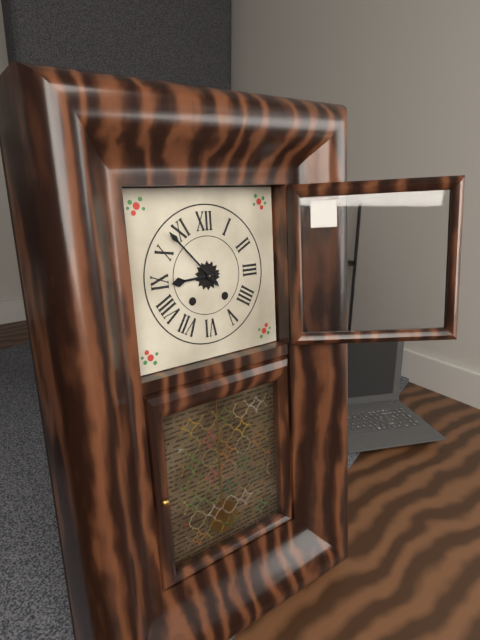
8 h 53 min
